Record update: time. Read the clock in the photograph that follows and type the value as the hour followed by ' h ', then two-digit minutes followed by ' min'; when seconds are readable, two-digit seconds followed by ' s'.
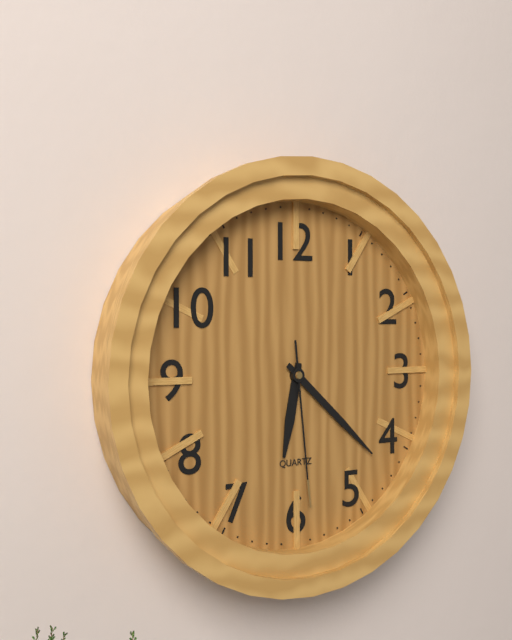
6 h 22 min 29 s
